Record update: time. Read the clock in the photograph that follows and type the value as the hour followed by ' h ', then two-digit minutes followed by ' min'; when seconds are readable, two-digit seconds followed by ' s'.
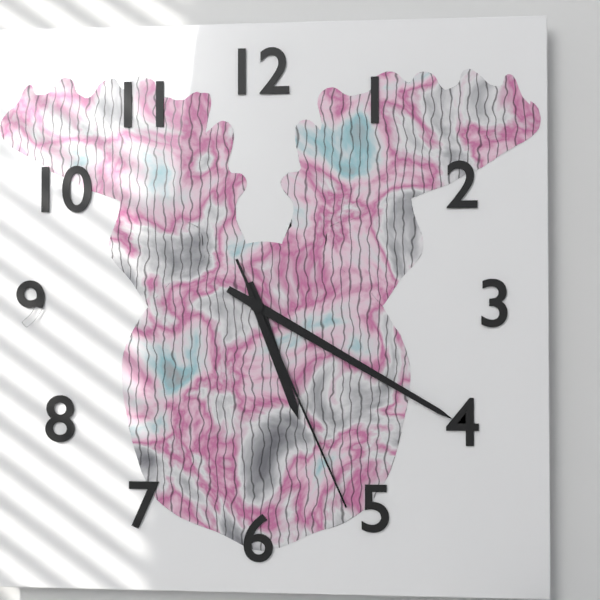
5 h 20 min 26 s
